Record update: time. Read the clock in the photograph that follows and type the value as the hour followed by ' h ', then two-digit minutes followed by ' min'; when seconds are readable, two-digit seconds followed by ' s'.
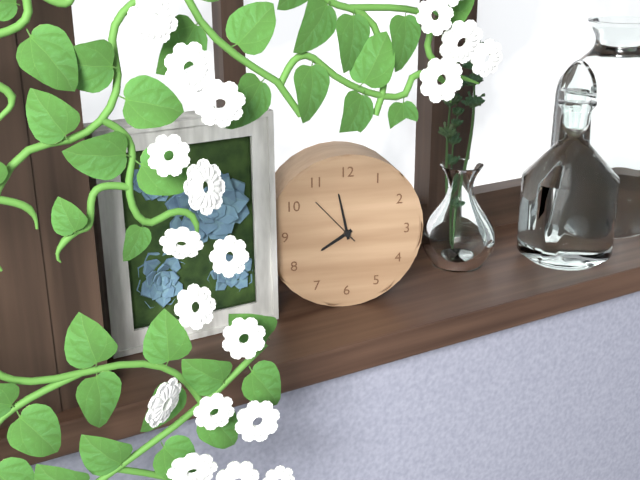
7 h 58 min
